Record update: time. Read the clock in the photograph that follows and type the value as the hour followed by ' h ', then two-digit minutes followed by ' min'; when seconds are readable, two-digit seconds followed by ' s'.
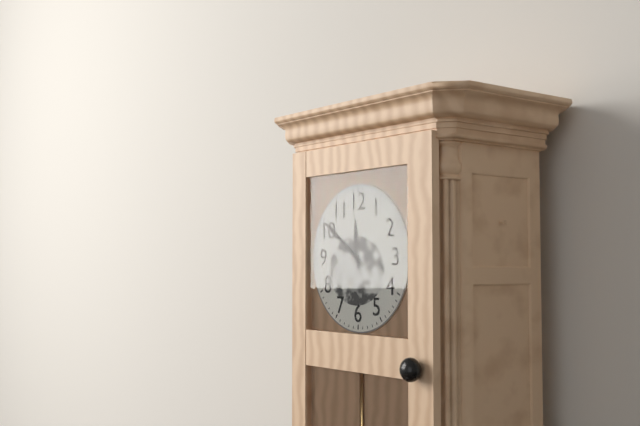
11 h 51 min
